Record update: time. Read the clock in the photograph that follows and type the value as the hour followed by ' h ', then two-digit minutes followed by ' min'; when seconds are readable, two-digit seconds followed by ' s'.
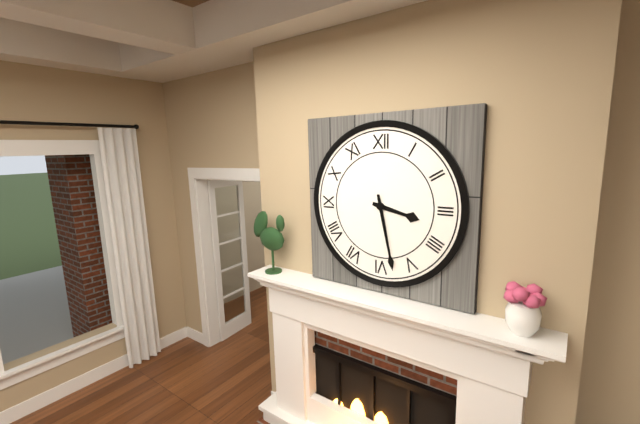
3 h 28 min
